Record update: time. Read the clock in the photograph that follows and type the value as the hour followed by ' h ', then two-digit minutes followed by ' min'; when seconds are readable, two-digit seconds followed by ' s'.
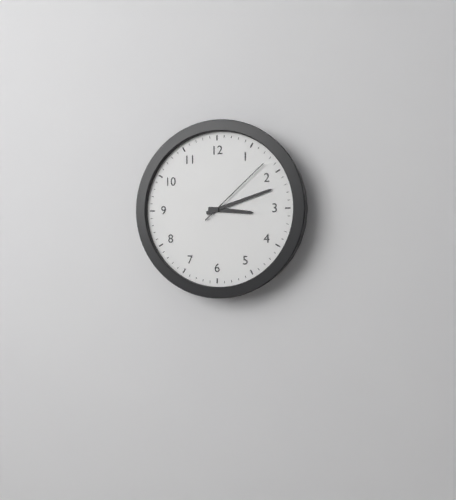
3 h 12 min 08 s
